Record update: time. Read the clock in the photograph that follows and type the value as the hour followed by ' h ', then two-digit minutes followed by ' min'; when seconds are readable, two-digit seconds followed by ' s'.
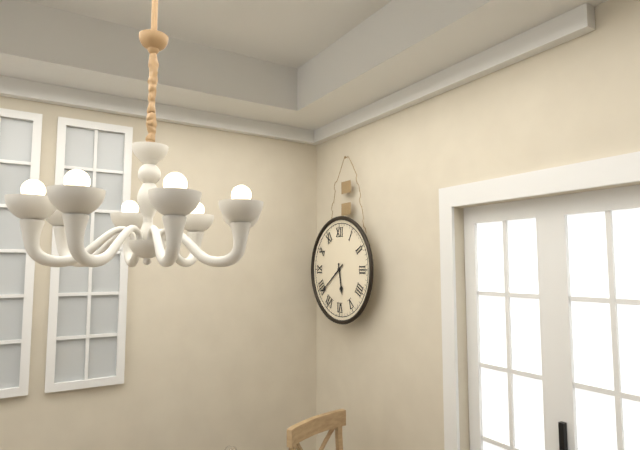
5 h 39 min
